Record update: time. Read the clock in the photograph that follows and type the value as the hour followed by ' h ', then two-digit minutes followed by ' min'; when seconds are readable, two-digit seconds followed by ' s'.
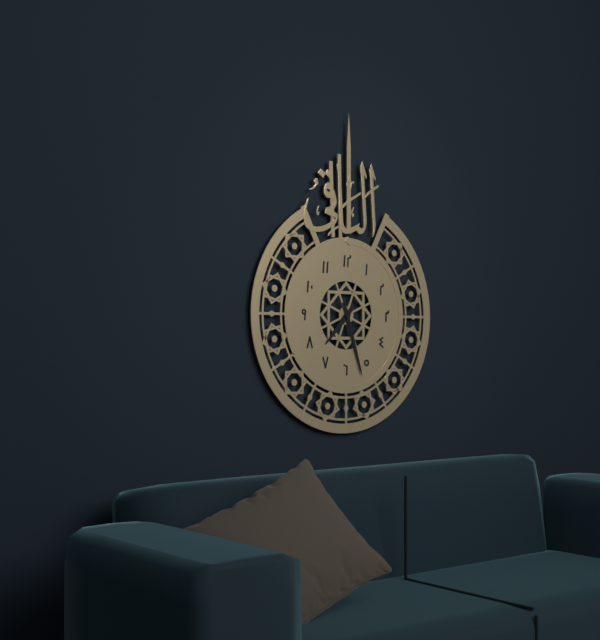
7 h 27 min
